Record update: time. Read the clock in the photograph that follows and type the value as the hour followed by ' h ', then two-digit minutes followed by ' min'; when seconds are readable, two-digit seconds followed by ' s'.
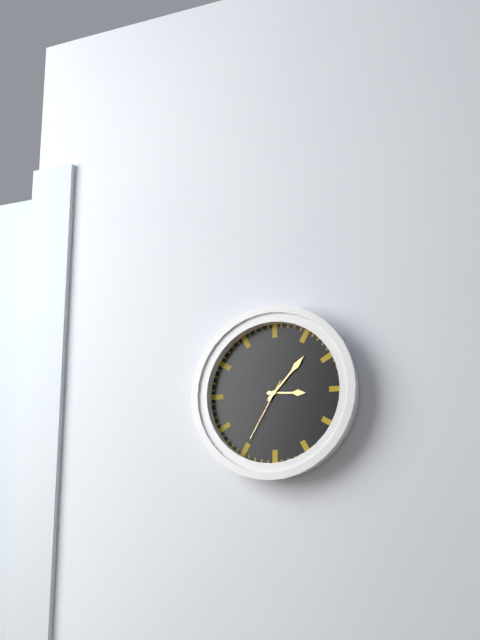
3 h 07 min 35 s
